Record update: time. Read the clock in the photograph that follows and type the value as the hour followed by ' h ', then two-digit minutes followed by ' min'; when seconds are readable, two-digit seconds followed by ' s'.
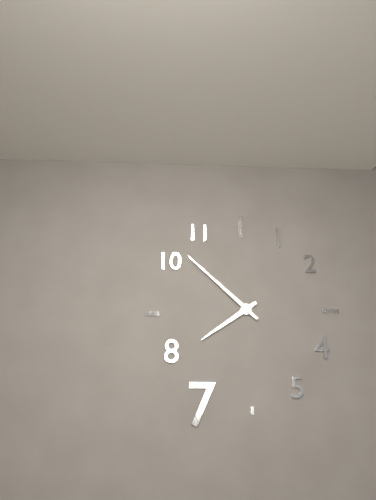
7 h 52 min
